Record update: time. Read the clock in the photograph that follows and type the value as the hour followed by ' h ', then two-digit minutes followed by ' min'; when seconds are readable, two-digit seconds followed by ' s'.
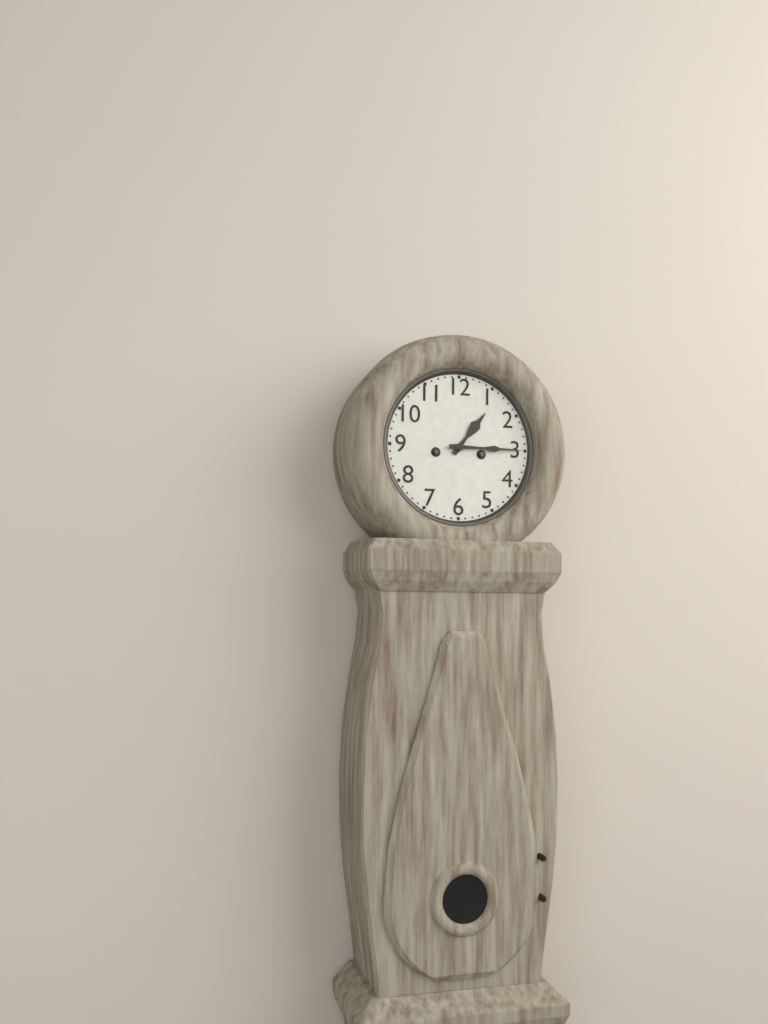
1 h 15 min
